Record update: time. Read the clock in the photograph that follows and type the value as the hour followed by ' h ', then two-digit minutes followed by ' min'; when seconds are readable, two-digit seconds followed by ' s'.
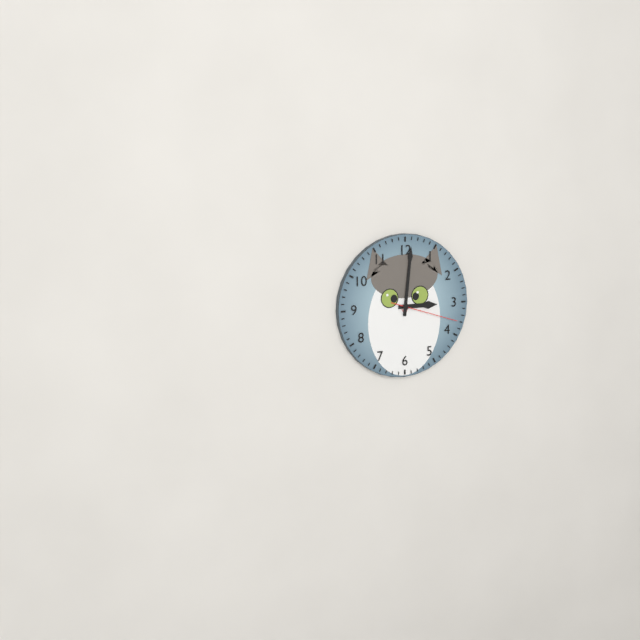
3 h 01 min 18 s
